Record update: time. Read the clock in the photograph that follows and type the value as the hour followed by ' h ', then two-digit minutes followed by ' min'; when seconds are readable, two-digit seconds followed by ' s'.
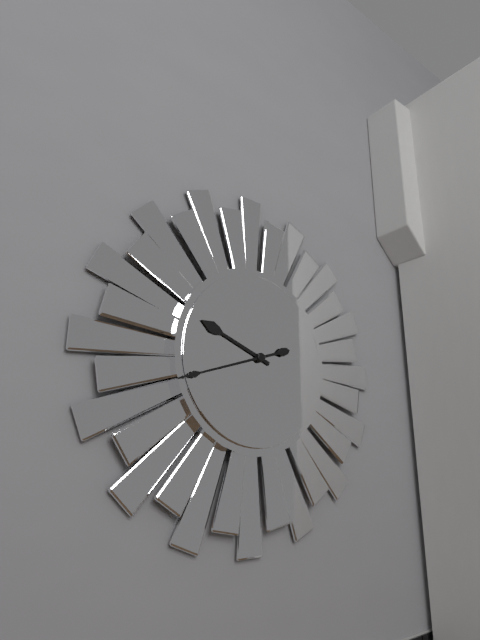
9 h 42 min
